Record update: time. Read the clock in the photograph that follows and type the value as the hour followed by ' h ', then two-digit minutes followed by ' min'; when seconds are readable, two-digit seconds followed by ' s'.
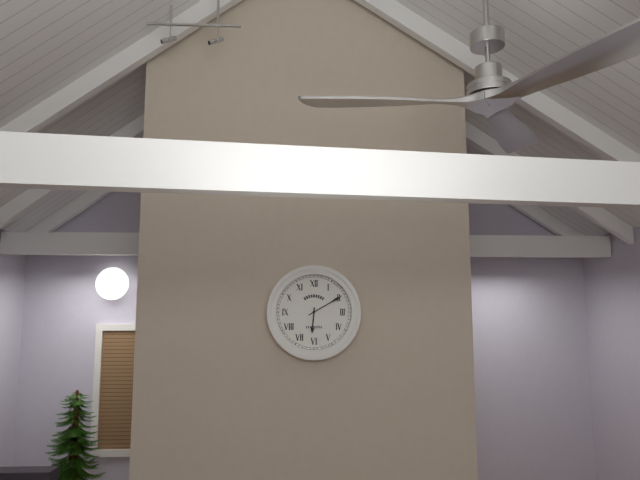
6 h 10 min
